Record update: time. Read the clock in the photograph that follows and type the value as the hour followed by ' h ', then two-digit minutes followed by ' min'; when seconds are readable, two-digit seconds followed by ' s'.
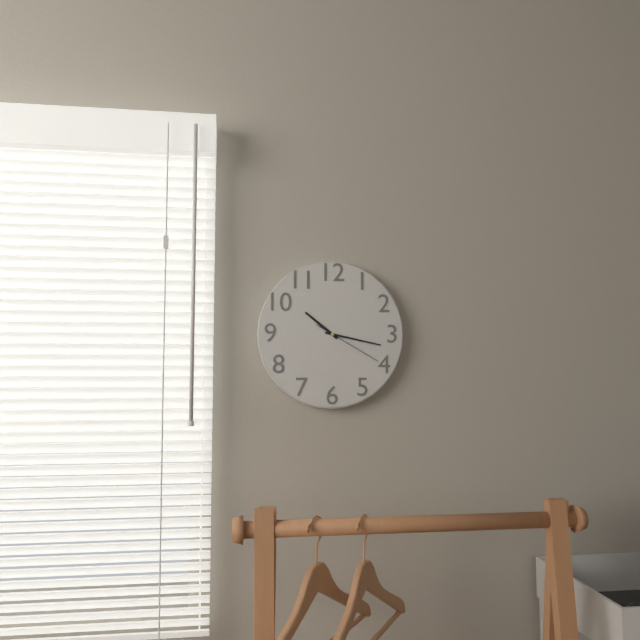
10 h 17 min 20 s
